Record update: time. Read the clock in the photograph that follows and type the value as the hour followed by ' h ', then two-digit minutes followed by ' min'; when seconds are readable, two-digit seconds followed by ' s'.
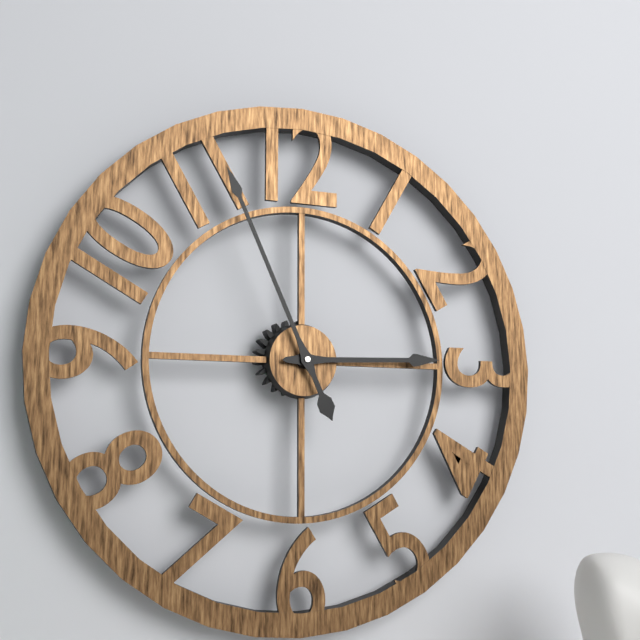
2 h 56 min
